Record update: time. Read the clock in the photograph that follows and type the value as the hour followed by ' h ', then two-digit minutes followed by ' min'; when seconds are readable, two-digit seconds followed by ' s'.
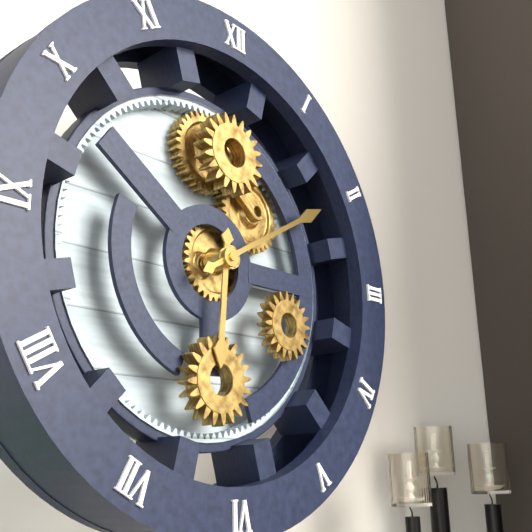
6 h 10 min
